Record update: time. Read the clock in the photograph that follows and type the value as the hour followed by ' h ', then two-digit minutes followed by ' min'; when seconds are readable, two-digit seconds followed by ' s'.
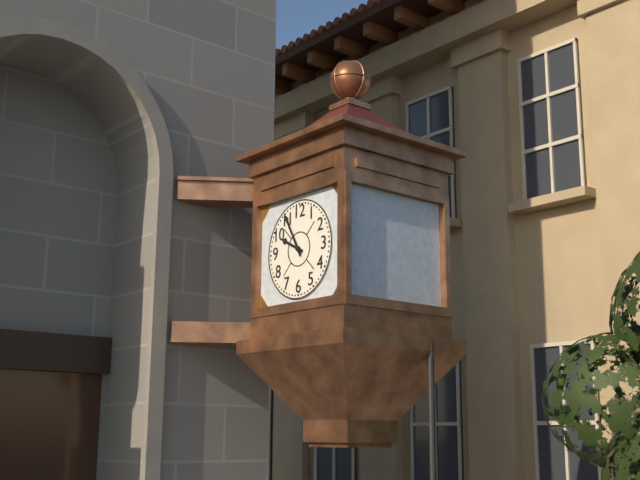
9 h 55 min
